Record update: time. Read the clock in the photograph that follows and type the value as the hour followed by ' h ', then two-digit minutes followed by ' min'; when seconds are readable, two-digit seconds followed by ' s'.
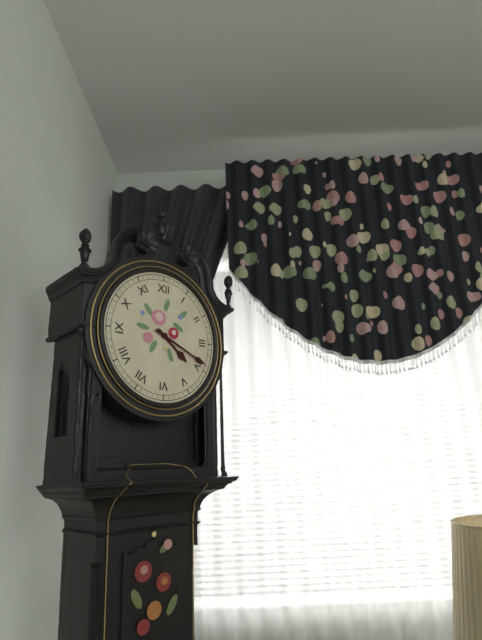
4 h 19 min
